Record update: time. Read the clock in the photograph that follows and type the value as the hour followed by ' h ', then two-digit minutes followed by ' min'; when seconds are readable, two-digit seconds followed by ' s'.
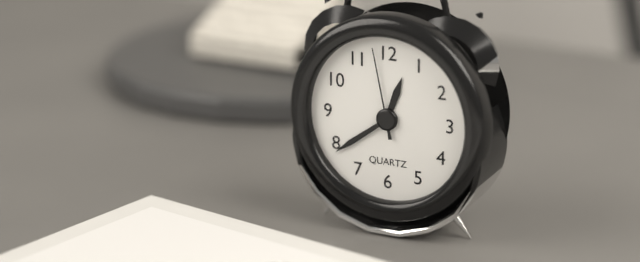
12 h 39 min 58 s
